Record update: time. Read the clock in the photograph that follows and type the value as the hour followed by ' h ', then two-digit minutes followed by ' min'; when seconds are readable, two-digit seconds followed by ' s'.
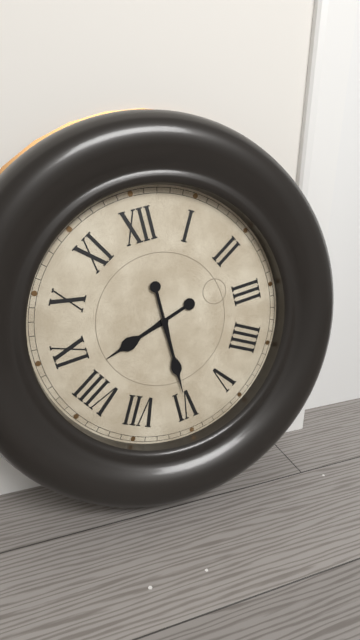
8 h 30 min
